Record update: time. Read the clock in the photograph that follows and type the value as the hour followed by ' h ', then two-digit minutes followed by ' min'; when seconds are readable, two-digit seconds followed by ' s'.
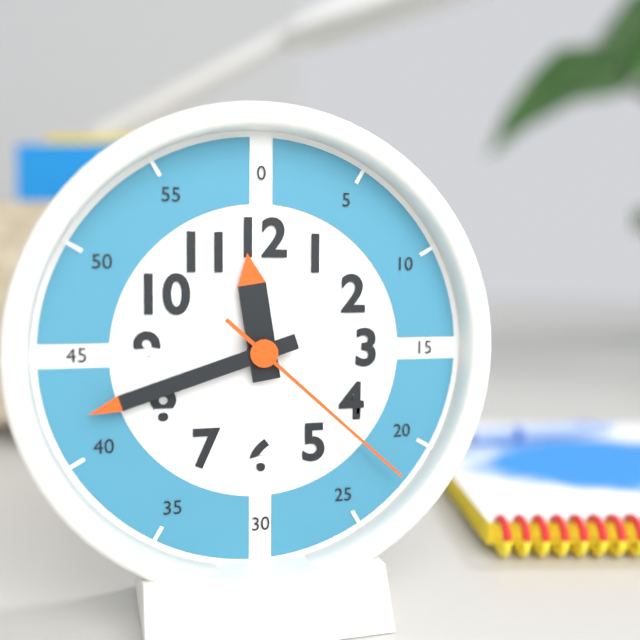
11 h 42 min 22 s
